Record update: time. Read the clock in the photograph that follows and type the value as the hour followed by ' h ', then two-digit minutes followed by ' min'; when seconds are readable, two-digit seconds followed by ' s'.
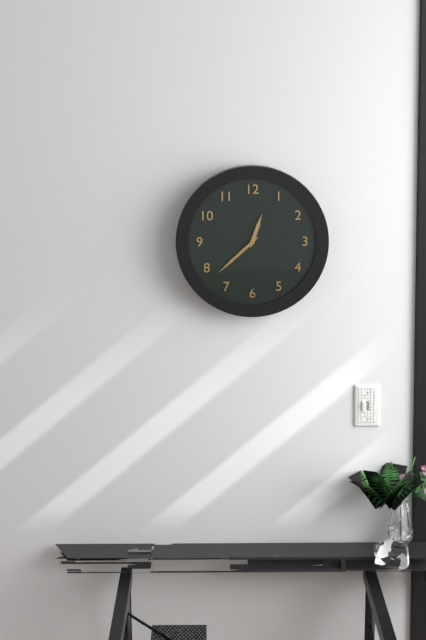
12 h 38 min
